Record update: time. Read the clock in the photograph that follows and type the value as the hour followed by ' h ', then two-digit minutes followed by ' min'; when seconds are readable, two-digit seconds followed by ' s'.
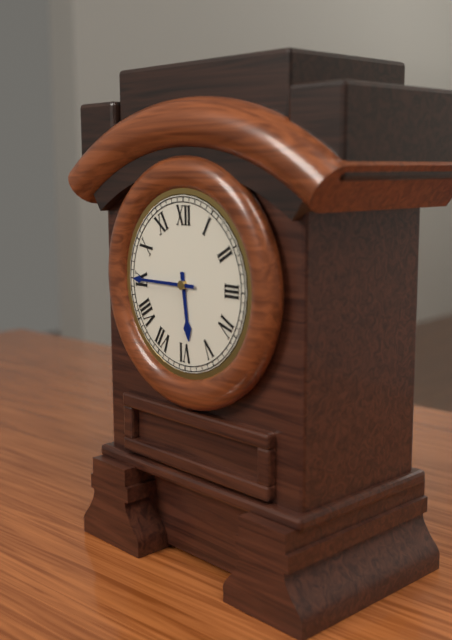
5 h 45 min
